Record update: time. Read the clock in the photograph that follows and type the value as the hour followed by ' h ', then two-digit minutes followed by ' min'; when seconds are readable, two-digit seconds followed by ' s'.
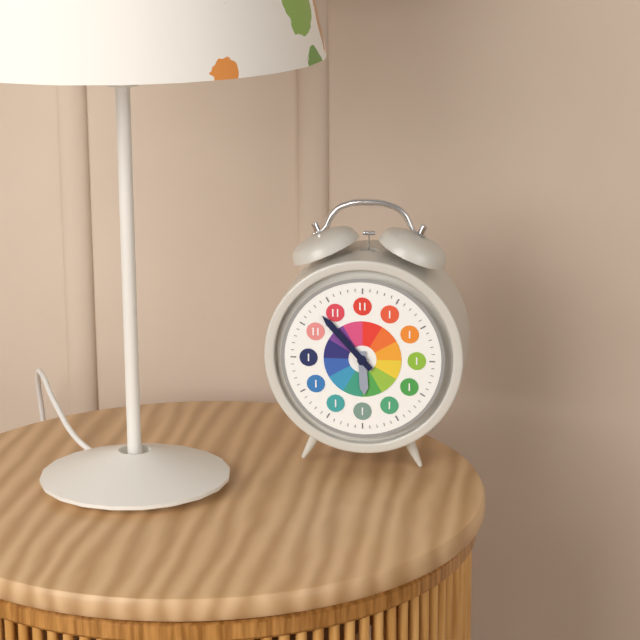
5 h 53 min
